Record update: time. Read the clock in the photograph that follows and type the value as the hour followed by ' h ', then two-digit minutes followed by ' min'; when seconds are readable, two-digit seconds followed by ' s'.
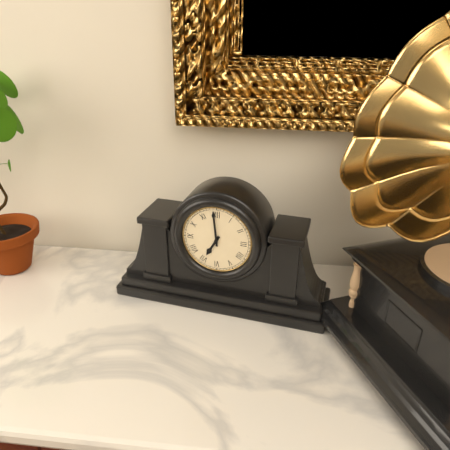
6 h 59 min
